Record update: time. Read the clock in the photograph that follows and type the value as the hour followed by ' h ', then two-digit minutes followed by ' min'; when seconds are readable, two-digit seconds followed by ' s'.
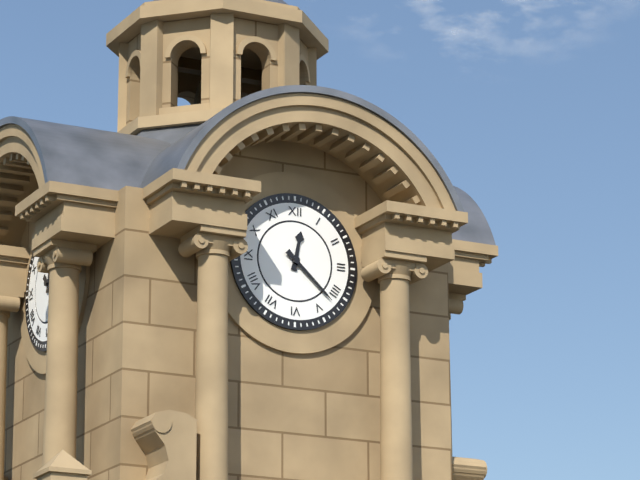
12 h 22 min
